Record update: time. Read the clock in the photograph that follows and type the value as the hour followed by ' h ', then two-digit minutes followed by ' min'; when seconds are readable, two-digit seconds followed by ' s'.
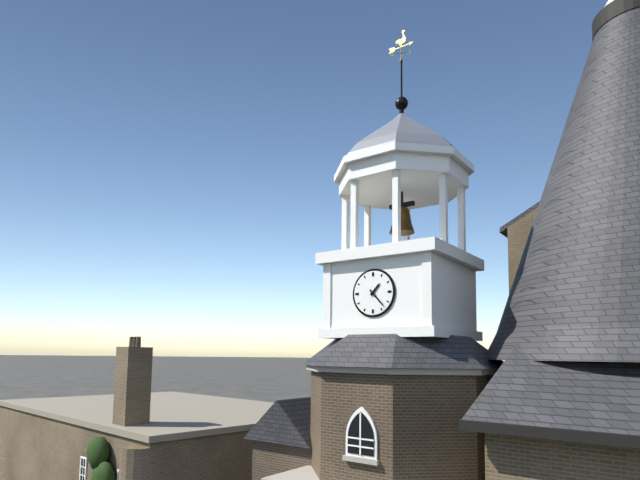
1 h 23 min
